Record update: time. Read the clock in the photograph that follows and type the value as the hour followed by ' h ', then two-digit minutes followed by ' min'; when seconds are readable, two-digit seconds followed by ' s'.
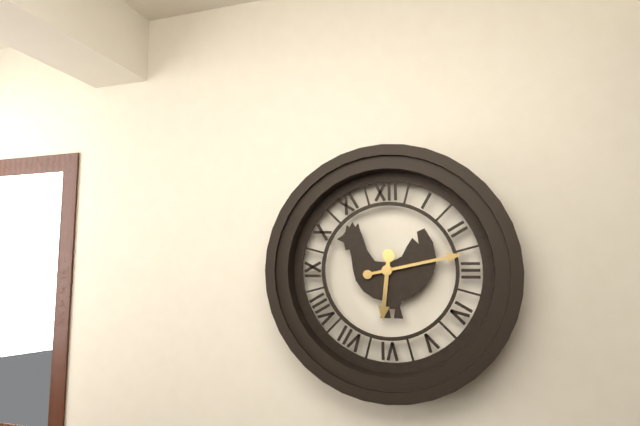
6 h 13 min
